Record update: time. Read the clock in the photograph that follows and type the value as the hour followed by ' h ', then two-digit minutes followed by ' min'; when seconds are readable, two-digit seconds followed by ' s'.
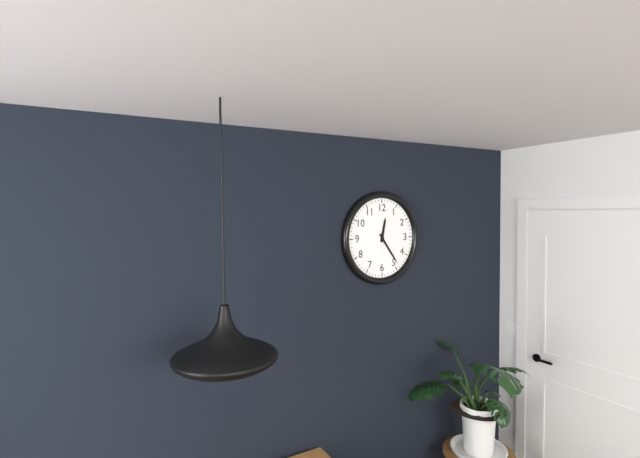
12 h 24 min
